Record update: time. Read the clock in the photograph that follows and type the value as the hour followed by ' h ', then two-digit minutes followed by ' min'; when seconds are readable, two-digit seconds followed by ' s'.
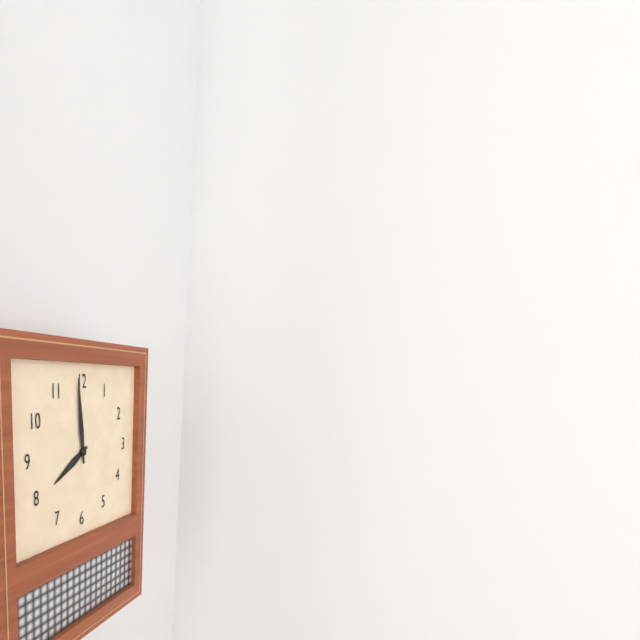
7 h 59 min
